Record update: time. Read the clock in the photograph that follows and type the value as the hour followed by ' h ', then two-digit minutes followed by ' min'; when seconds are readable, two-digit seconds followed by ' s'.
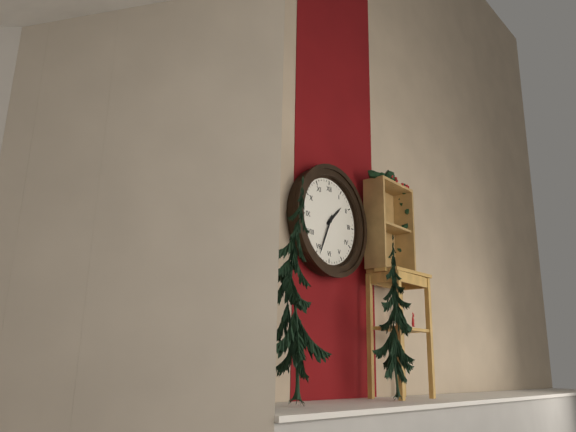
1 h 34 min
